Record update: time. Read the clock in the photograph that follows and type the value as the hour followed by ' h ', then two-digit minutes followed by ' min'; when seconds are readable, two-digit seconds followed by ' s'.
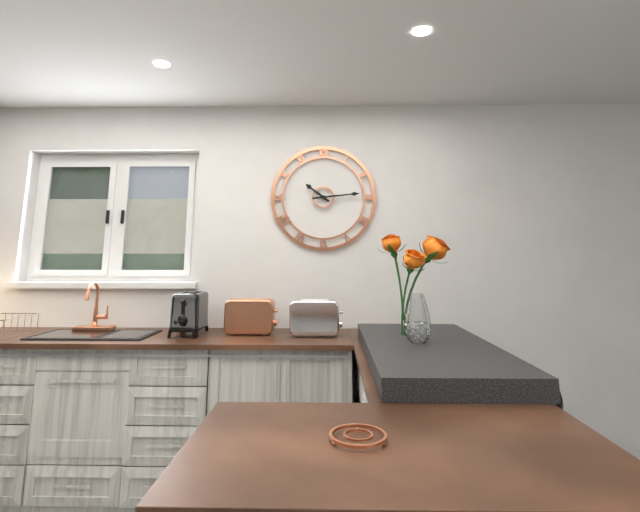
10 h 14 min
